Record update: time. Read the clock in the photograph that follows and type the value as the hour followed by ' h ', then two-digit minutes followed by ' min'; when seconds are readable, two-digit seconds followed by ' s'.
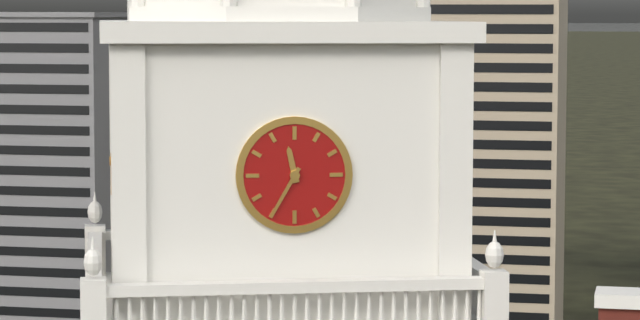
11 h 35 min
